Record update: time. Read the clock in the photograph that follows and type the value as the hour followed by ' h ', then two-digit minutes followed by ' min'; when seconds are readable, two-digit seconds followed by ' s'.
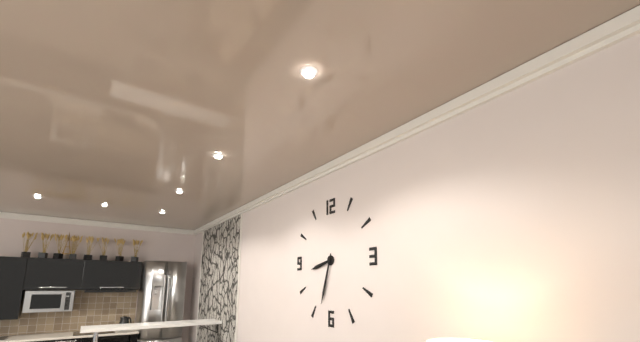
8 h 33 min
